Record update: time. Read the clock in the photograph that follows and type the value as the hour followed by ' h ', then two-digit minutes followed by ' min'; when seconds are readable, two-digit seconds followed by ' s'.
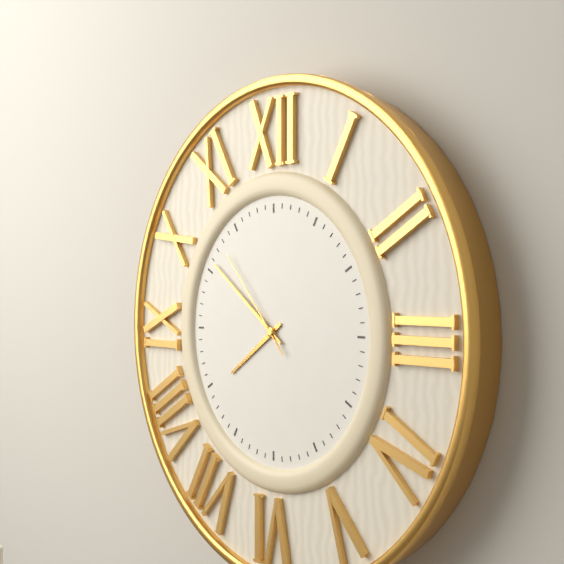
7 h 51 min 53 s
